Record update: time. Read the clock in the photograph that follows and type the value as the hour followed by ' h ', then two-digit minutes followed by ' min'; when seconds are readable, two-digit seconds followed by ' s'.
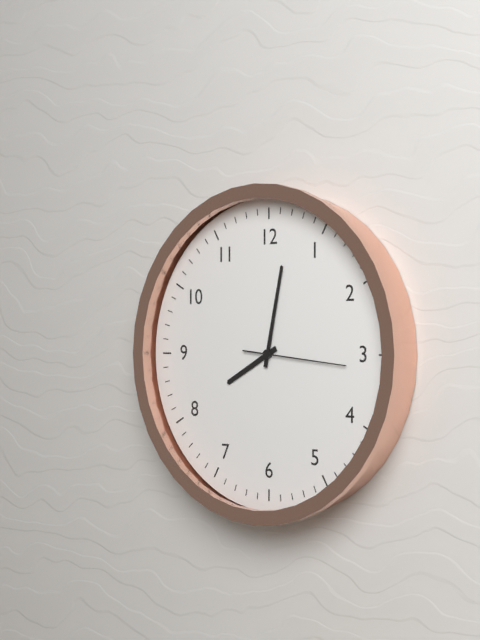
8 h 02 min 16 s
